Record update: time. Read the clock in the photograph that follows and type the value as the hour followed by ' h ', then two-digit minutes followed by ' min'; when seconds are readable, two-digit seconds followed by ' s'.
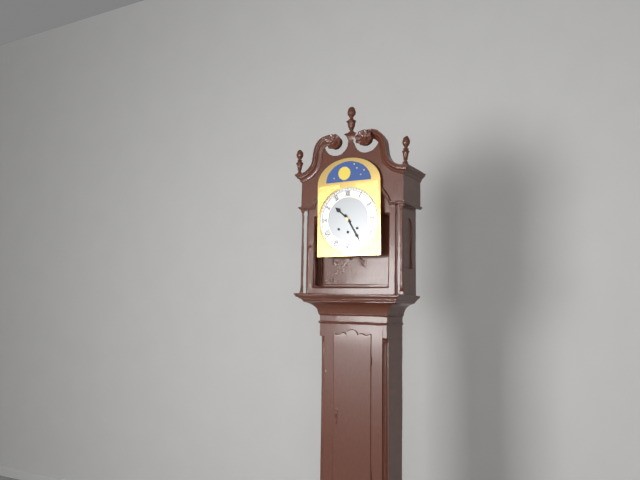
10 h 25 min
